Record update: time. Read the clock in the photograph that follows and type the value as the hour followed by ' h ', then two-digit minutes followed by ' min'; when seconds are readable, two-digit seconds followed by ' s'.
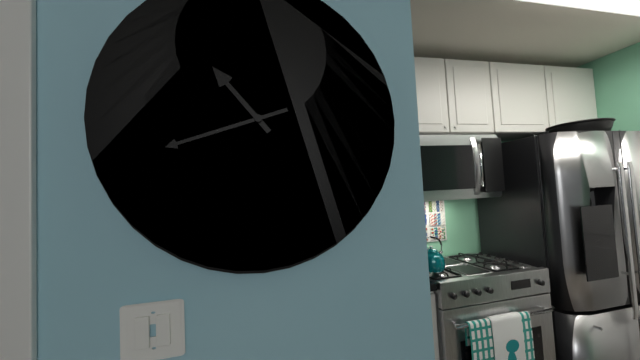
10 h 42 min
